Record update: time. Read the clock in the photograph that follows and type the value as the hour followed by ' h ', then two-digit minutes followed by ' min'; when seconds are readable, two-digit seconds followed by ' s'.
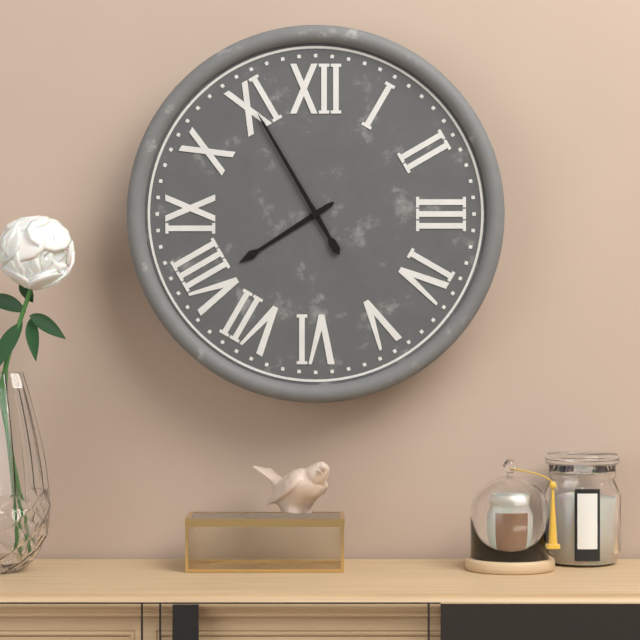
7 h 55 min
